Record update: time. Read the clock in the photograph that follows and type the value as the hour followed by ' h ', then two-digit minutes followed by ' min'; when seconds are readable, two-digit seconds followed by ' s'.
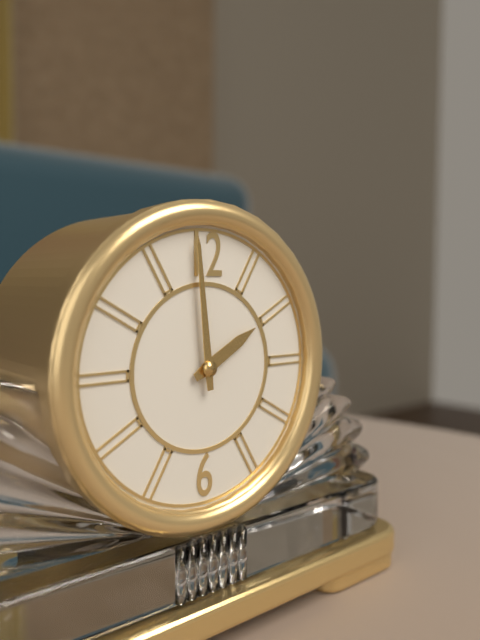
1 h 59 min
